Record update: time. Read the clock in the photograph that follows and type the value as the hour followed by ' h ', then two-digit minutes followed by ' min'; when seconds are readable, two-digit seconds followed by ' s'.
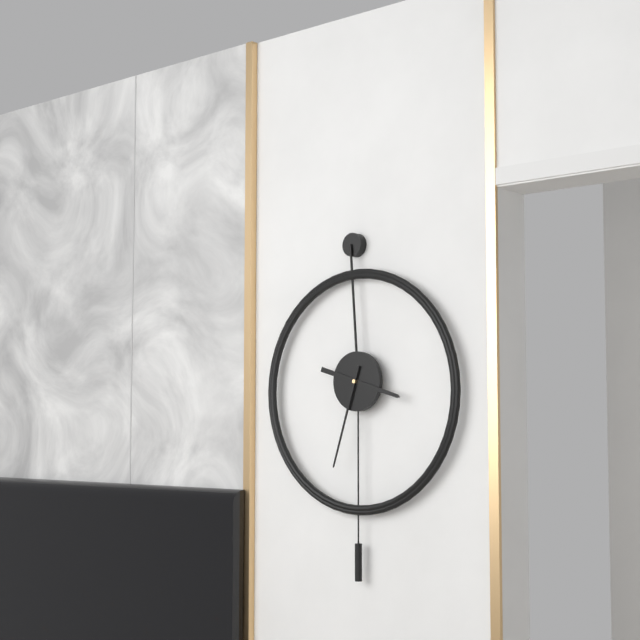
3 h 33 min
